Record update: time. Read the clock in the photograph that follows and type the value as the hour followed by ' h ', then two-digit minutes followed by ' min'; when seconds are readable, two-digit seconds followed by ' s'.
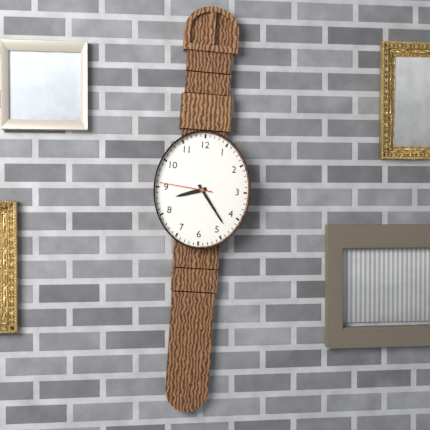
8 h 24 min 46 s
